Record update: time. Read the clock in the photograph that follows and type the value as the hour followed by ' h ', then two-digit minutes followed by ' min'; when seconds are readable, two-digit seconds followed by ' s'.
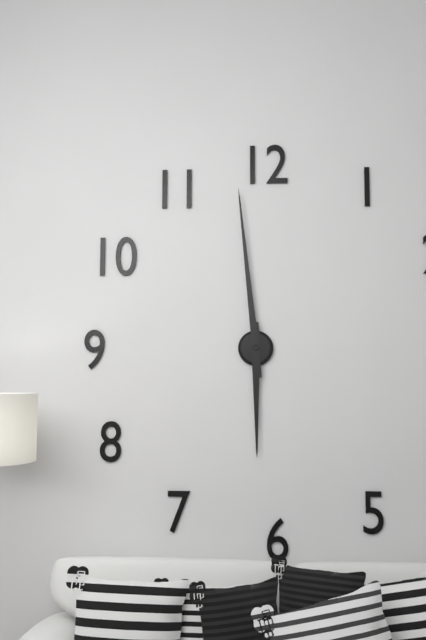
5 h 59 min
